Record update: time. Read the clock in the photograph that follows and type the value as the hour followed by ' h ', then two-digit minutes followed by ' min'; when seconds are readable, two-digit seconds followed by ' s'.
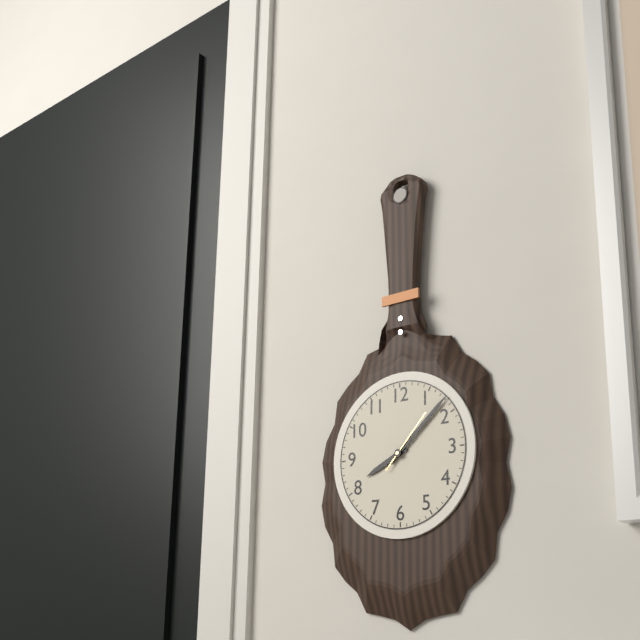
8 h 08 min 07 s
